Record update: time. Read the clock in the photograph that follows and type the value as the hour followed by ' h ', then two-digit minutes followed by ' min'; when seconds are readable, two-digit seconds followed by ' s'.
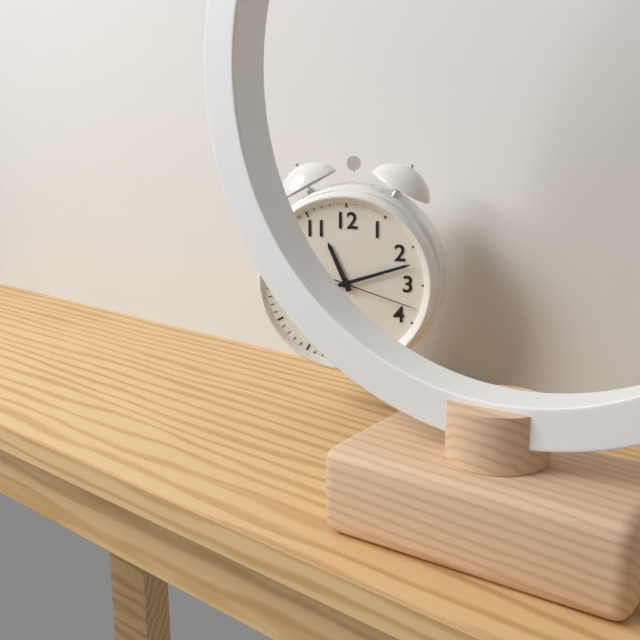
11 h 12 min 18 s
